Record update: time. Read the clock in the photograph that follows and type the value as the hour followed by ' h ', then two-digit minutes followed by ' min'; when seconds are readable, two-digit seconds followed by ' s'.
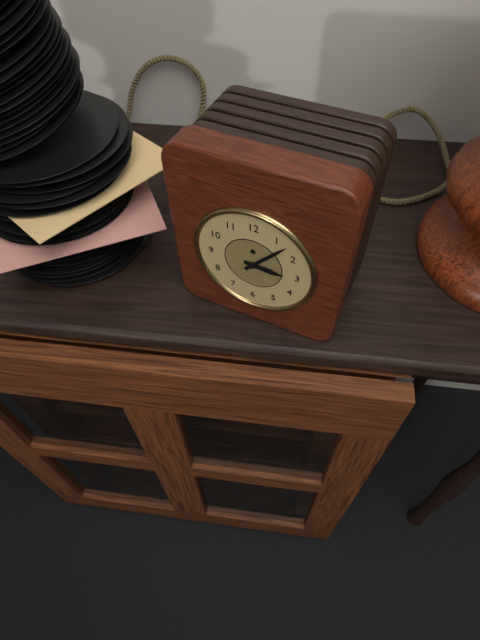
3 h 07 min
